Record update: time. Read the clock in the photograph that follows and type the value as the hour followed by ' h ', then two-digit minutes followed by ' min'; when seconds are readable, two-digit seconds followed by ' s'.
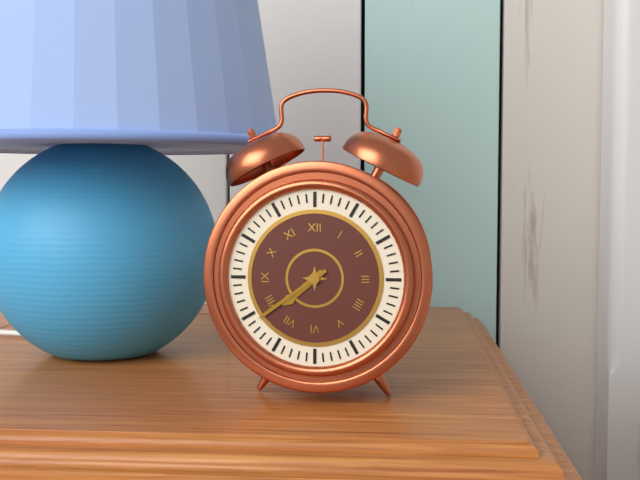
7 h 39 min
